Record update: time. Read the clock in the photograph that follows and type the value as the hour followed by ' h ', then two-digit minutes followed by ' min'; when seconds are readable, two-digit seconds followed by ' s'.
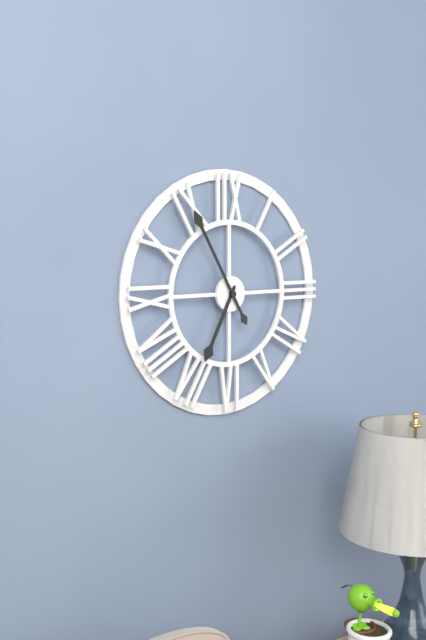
6 h 55 min
